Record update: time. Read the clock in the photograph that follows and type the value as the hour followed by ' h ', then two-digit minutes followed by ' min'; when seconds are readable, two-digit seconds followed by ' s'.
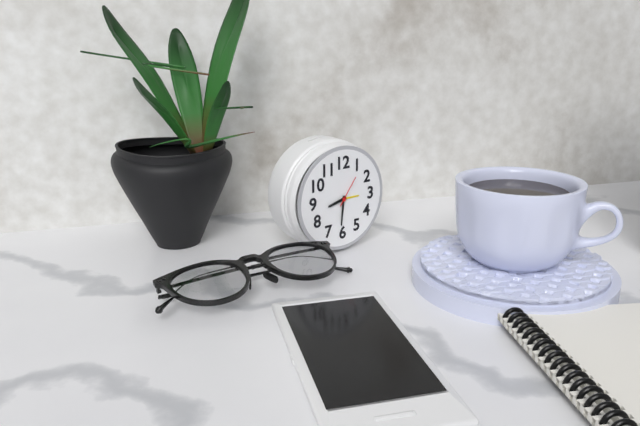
8 h 31 min
